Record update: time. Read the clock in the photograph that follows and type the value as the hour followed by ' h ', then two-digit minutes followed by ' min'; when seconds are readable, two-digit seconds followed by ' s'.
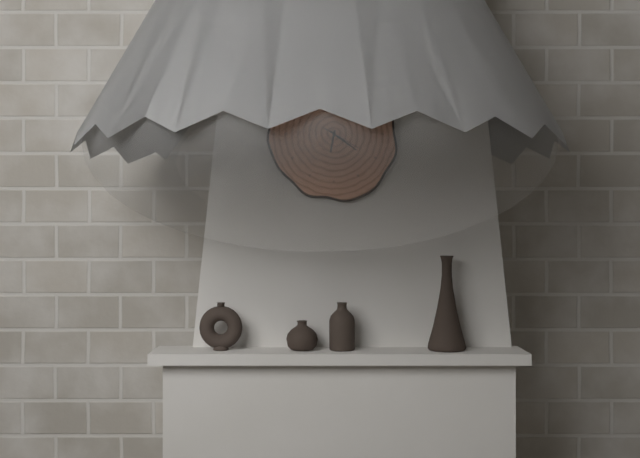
6 h 21 min
